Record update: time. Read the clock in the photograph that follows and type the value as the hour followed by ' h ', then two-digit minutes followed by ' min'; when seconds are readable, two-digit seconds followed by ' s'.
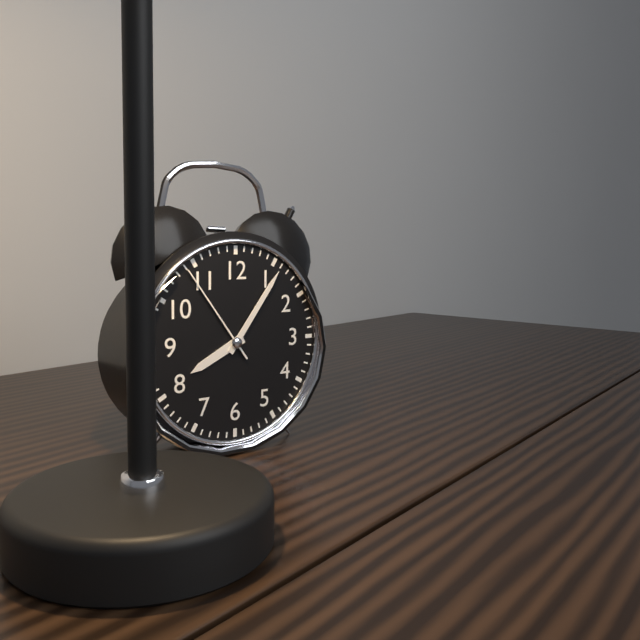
8 h 06 min 54 s
